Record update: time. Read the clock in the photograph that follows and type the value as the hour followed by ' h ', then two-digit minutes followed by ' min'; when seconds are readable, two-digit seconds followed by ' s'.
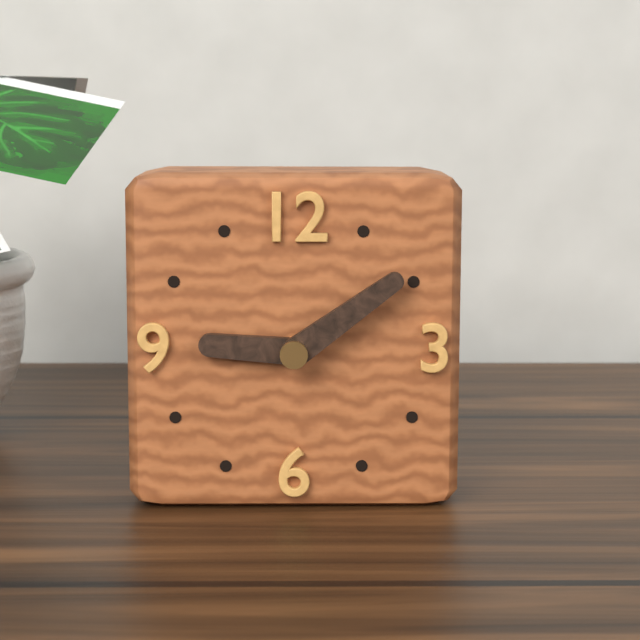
9 h 09 min
